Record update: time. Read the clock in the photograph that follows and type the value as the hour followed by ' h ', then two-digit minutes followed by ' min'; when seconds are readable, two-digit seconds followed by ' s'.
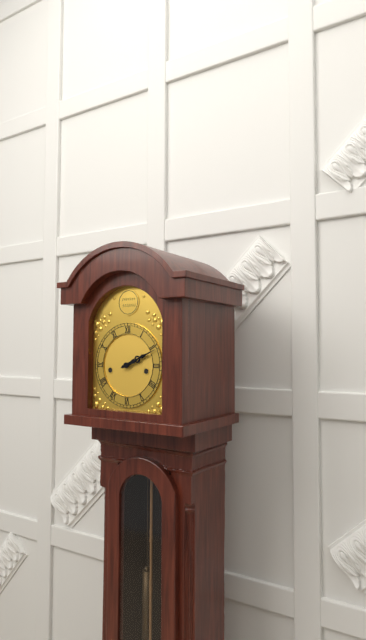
2 h 11 min
